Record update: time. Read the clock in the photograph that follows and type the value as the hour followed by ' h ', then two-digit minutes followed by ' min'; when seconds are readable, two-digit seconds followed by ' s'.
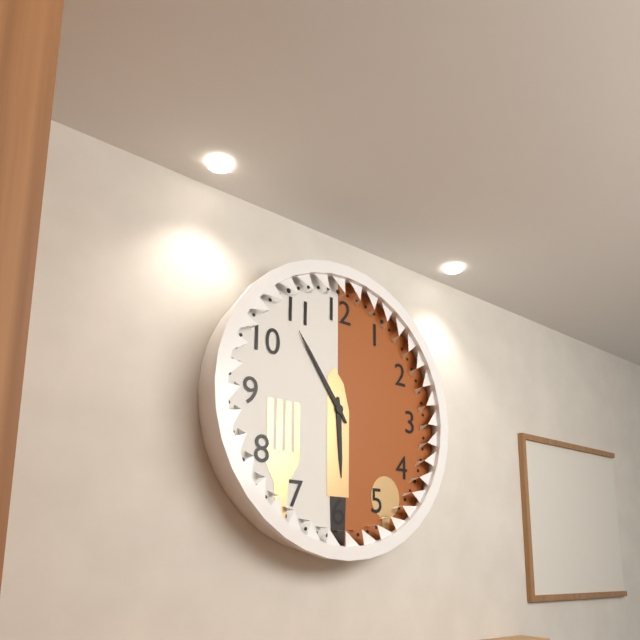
5 h 54 min
